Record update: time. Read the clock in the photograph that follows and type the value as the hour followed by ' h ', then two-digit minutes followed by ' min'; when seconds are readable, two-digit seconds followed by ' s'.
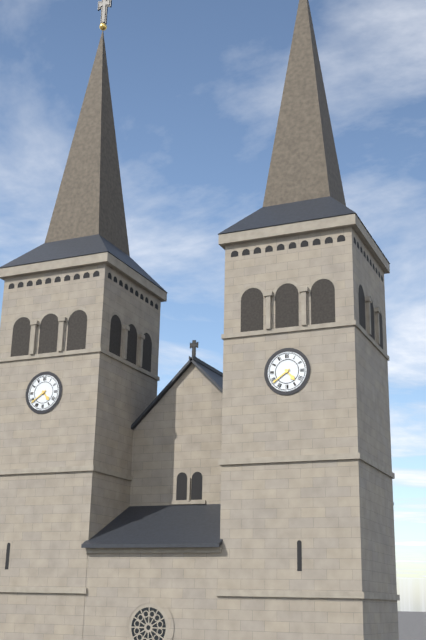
4 h 39 min
